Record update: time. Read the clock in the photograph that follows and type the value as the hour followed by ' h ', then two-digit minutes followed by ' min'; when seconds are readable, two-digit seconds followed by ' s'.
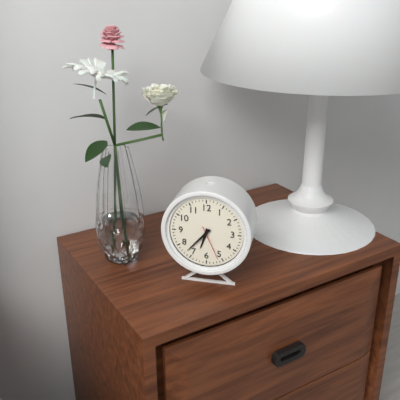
6 h 37 min
